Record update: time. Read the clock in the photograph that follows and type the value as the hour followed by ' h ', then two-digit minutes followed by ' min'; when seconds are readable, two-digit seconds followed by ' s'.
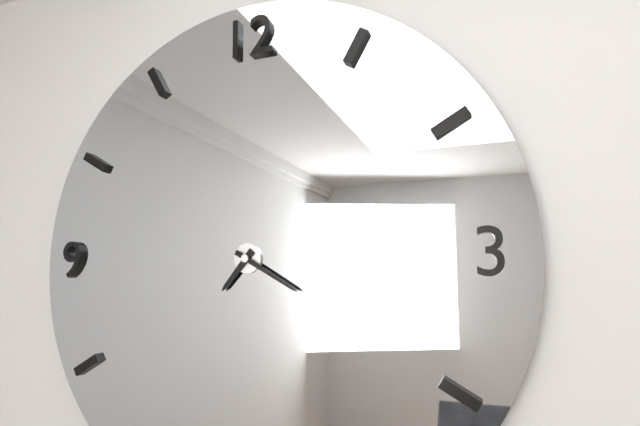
7 h 20 min
